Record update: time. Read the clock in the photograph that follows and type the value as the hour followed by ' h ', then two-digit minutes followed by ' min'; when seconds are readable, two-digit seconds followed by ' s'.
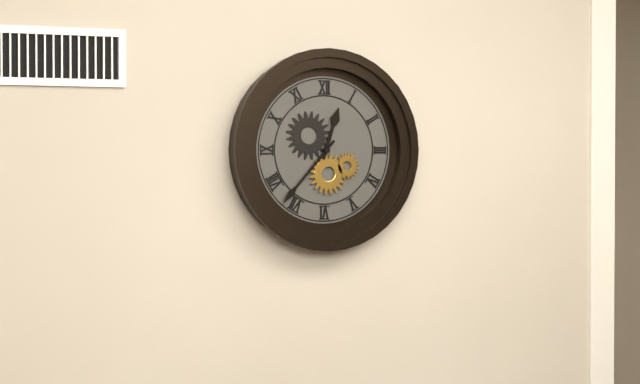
12 h 37 min
